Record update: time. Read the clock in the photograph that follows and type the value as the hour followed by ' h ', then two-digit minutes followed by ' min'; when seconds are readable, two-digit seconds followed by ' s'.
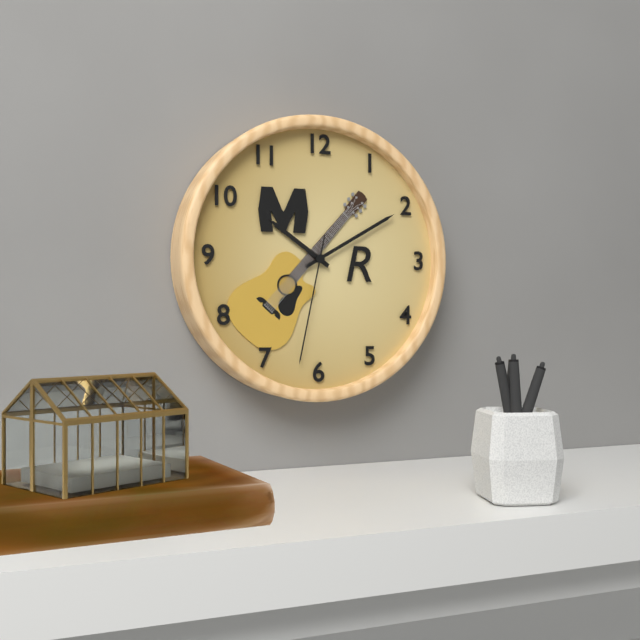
10 h 10 min 32 s
